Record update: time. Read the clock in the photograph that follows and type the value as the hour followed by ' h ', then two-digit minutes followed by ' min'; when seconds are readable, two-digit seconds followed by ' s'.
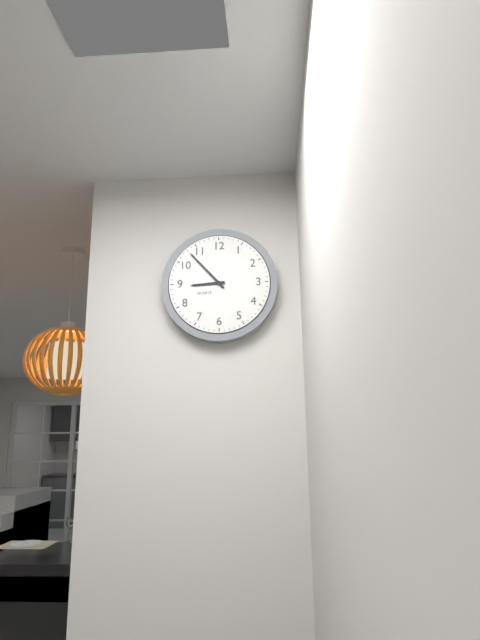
8 h 53 min
